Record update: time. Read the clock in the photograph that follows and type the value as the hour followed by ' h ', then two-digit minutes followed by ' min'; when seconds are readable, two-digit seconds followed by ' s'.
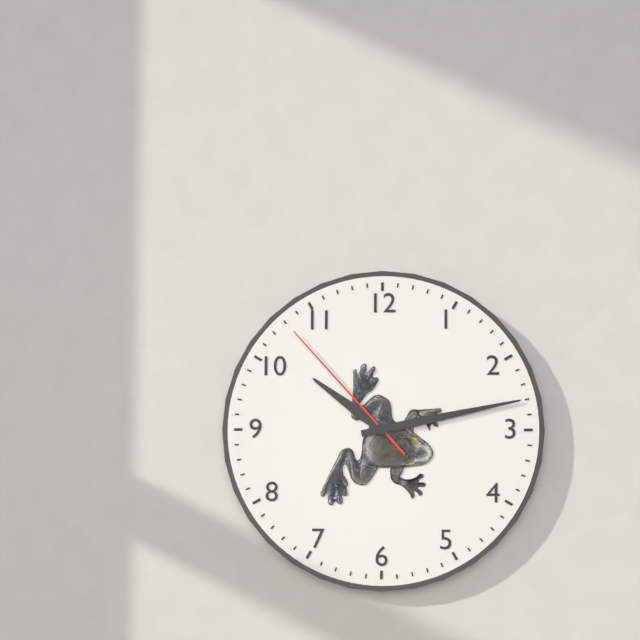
10 h 13 min 53 s
